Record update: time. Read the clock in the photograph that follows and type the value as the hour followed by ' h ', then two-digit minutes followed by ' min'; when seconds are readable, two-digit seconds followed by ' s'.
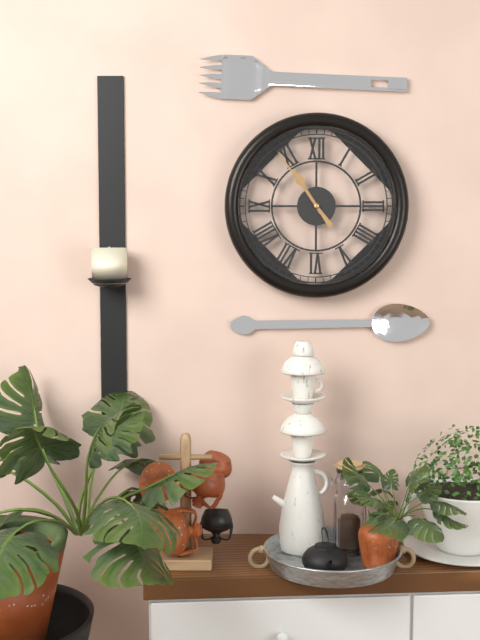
10 h 54 min
